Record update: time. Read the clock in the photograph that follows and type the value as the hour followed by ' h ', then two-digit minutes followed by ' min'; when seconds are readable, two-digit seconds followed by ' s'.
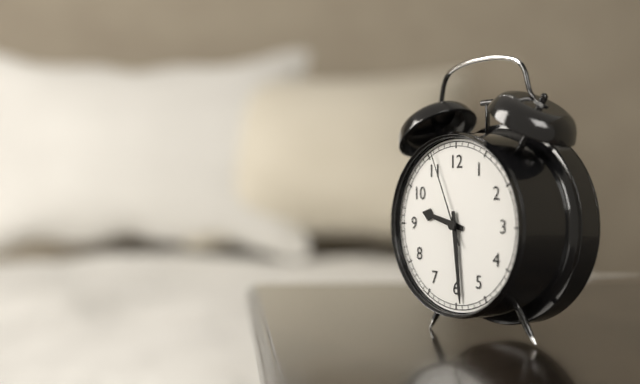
9 h 29 min 56 s
